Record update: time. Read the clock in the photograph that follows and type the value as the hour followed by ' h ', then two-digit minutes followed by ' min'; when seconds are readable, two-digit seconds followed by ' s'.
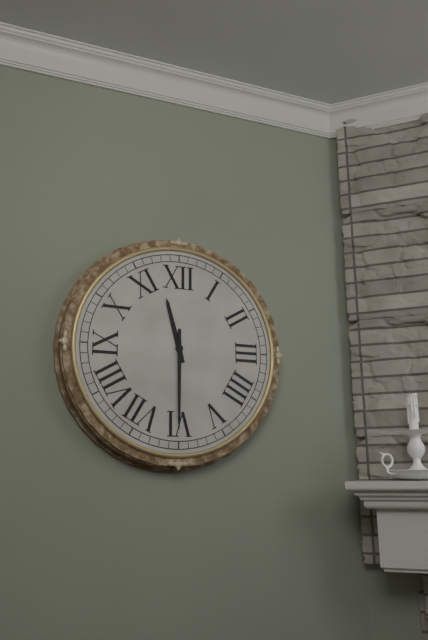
11 h 30 min
